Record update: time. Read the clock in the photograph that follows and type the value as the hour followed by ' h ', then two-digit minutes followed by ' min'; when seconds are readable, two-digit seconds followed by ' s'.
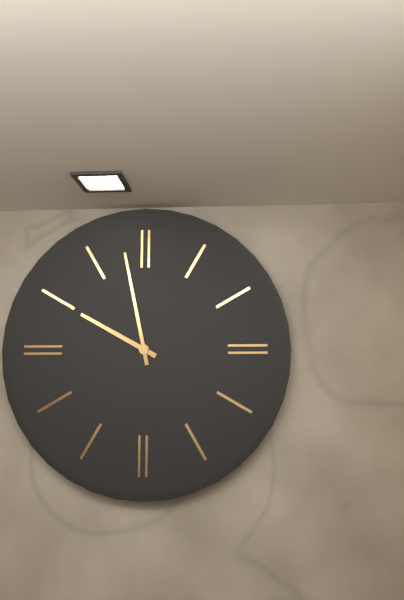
9 h 58 min
